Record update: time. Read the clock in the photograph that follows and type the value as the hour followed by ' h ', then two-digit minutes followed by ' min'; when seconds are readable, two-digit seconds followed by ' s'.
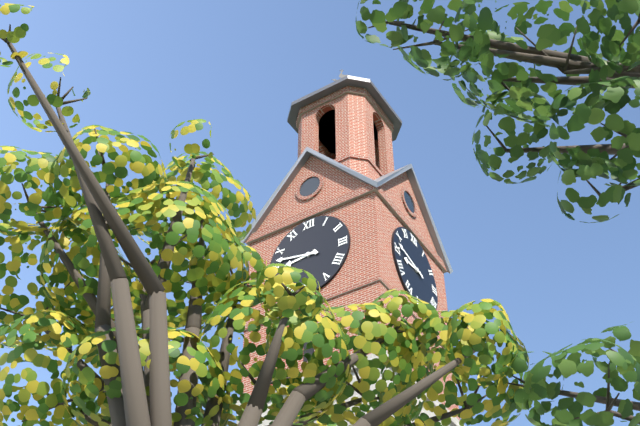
8 h 47 min
